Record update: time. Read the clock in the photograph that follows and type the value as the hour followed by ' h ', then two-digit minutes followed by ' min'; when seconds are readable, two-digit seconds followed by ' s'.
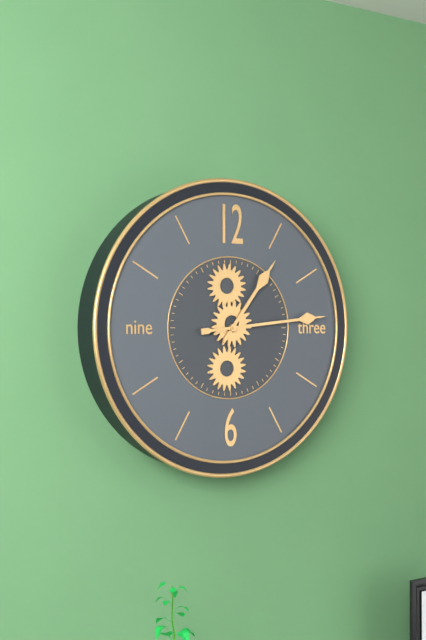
1 h 14 min
